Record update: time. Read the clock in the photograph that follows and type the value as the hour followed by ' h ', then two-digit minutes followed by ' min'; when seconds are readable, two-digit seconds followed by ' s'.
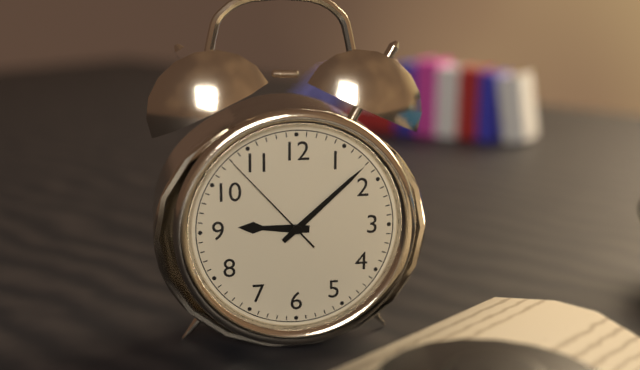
9 h 08 min 53 s
